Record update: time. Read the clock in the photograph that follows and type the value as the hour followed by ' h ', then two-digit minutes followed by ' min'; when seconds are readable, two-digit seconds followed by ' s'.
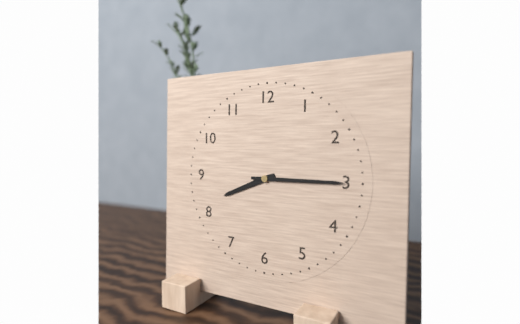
8 h 15 min
